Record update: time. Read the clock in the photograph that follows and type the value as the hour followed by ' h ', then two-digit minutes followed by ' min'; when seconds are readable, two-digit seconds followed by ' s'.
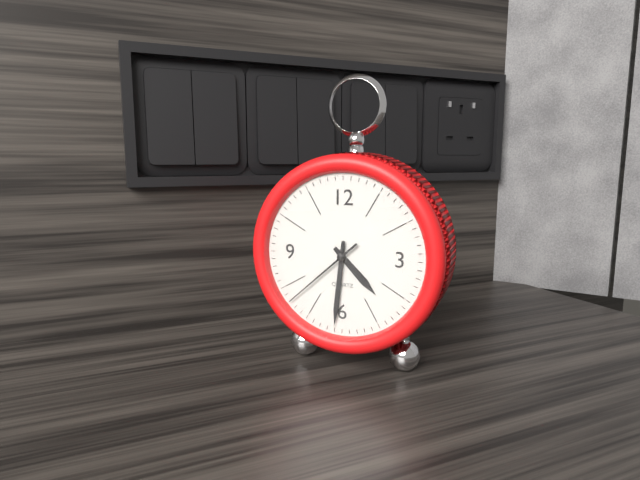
4 h 31 min 38 s
